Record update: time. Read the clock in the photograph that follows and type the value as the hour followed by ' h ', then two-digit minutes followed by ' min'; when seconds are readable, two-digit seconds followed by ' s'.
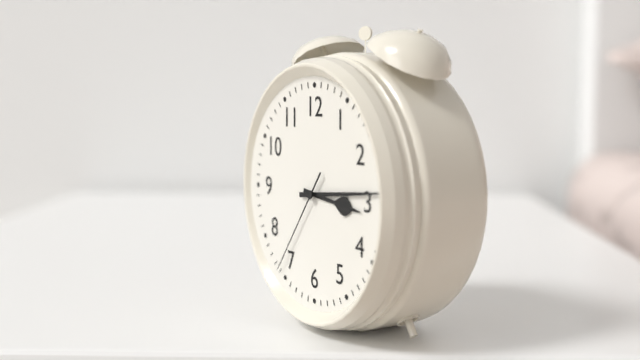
3 h 14 min 36 s
